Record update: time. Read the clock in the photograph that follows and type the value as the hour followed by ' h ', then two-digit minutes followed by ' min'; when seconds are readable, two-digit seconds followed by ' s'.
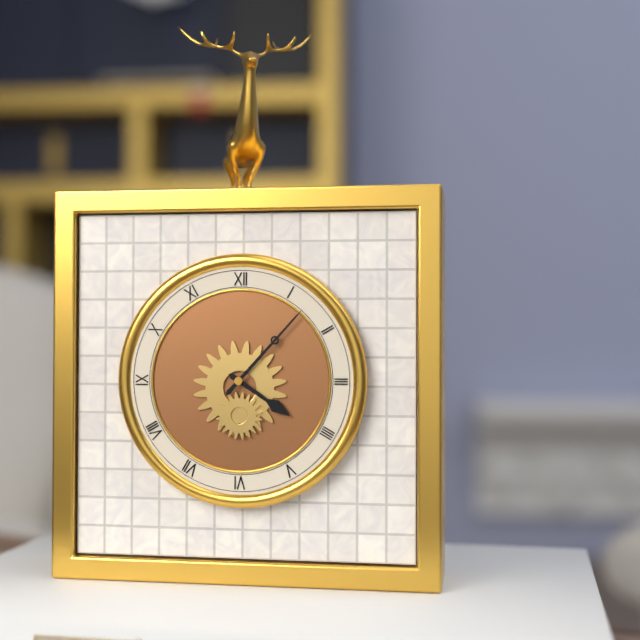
4 h 07 min
